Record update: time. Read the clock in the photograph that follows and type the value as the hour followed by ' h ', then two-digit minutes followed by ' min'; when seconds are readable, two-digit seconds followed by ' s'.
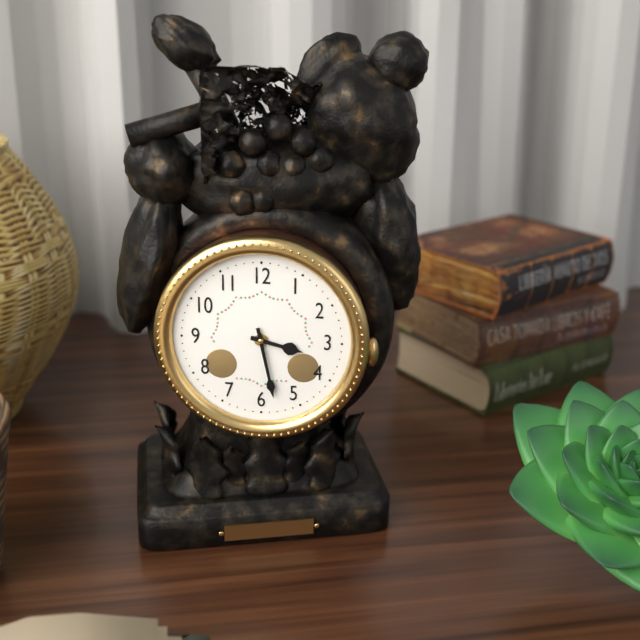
3 h 28 min
